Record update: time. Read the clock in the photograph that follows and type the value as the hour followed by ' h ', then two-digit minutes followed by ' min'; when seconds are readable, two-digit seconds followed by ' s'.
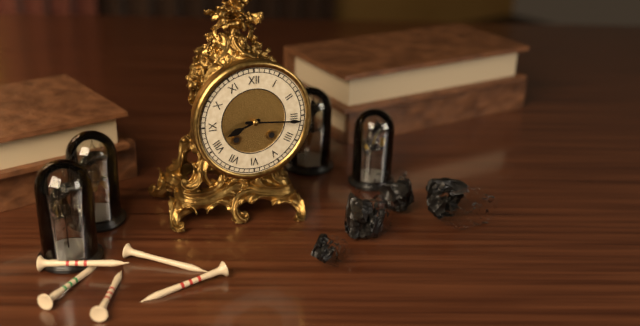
8 h 16 min
